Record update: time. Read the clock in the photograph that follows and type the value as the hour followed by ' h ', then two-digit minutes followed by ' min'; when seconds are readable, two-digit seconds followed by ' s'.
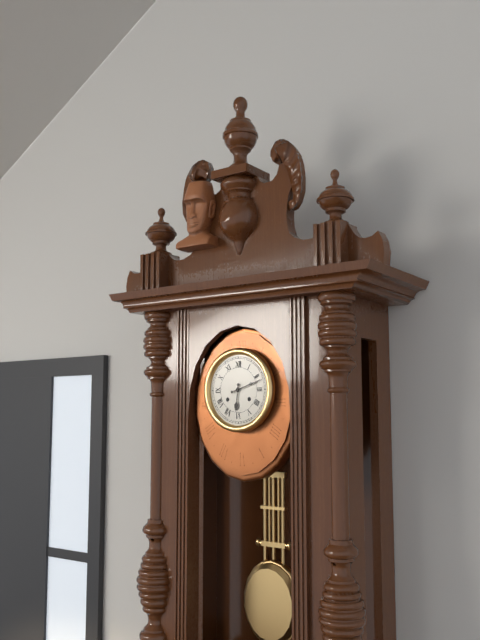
6 h 12 min
